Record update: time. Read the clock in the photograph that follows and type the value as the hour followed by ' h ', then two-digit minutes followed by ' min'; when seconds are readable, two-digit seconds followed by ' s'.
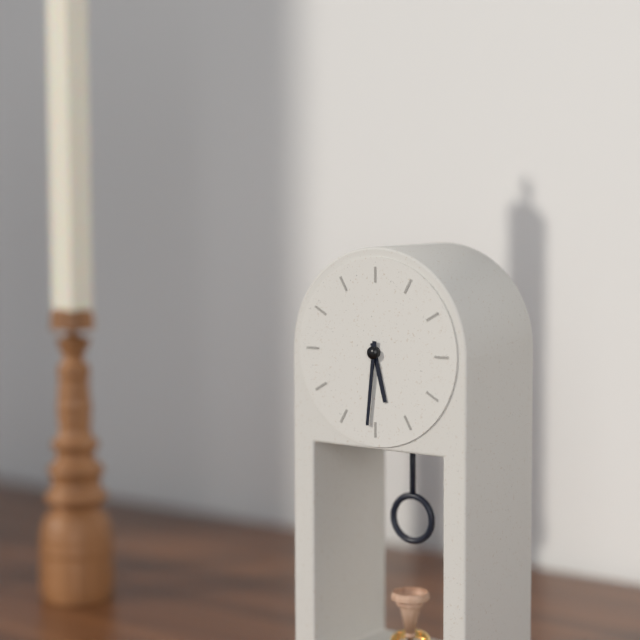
5 h 31 min
